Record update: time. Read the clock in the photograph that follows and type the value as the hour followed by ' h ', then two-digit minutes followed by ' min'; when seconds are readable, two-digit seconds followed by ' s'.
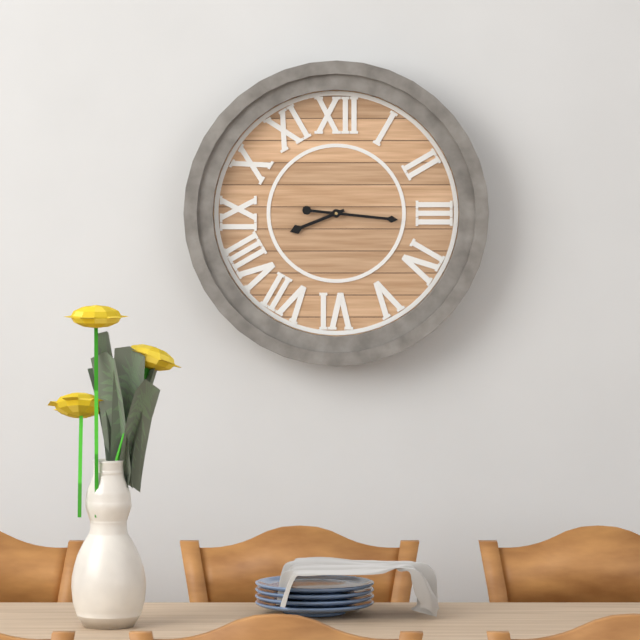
8 h 16 min
